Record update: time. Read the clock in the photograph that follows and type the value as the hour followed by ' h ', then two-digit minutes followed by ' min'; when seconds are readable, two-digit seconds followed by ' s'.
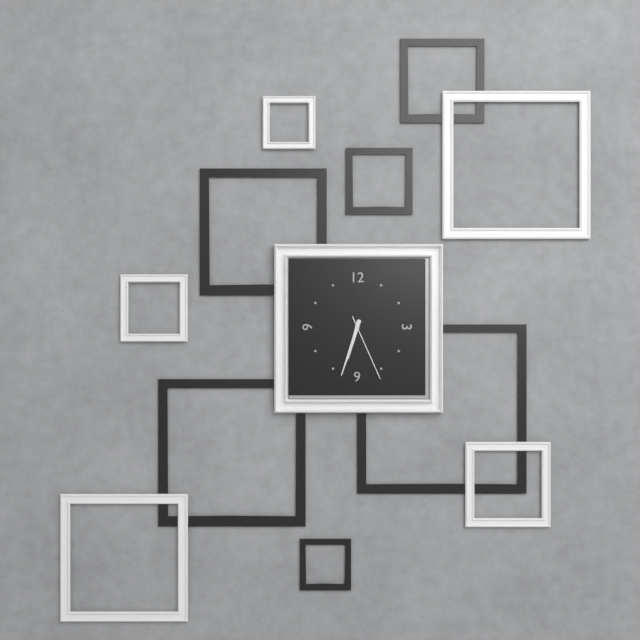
6 h 33 min 26 s
